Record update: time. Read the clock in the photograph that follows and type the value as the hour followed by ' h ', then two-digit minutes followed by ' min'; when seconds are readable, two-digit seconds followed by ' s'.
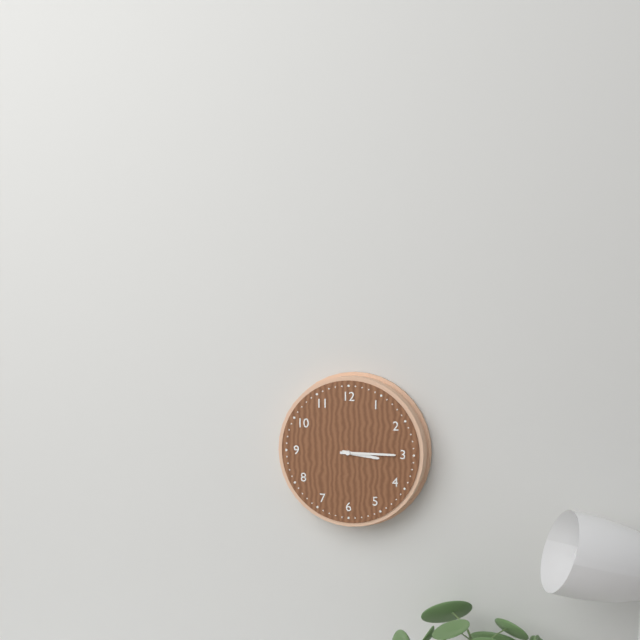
3 h 15 min
